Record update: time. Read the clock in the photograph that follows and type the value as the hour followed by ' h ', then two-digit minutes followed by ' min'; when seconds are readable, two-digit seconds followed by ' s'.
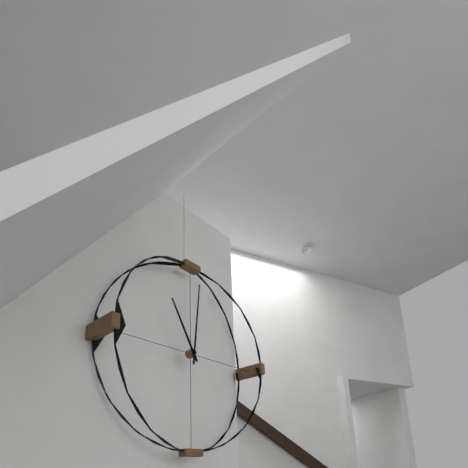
11 h 01 min
